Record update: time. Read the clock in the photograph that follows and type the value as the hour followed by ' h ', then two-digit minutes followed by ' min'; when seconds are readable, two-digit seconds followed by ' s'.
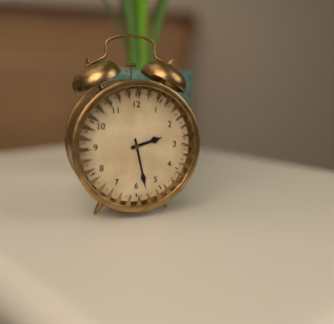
2 h 28 min
